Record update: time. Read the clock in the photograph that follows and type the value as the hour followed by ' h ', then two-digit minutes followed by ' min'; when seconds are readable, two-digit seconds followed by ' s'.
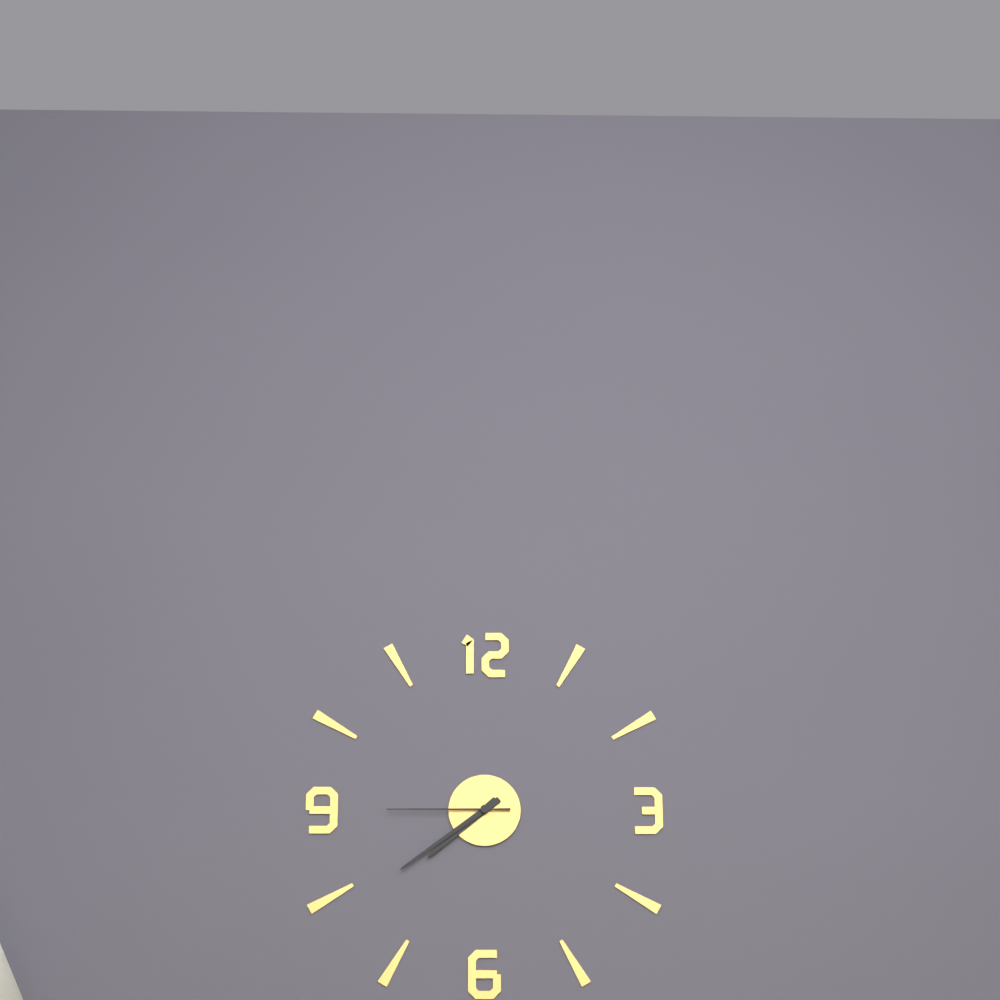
7 h 39 min 45 s
